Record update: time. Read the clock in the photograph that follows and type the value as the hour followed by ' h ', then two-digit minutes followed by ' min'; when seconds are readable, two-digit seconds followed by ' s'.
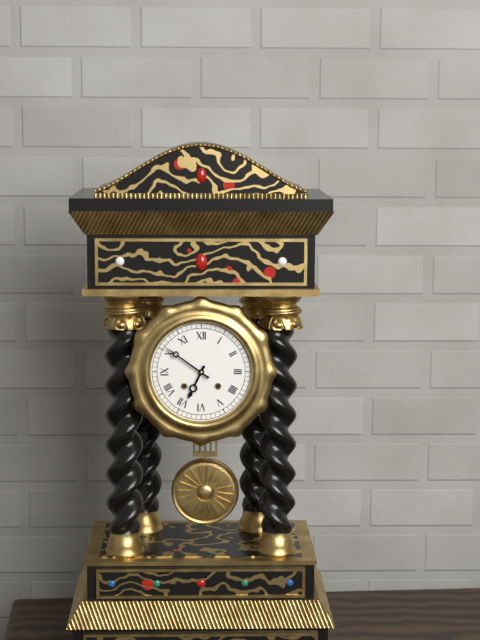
6 h 51 min
